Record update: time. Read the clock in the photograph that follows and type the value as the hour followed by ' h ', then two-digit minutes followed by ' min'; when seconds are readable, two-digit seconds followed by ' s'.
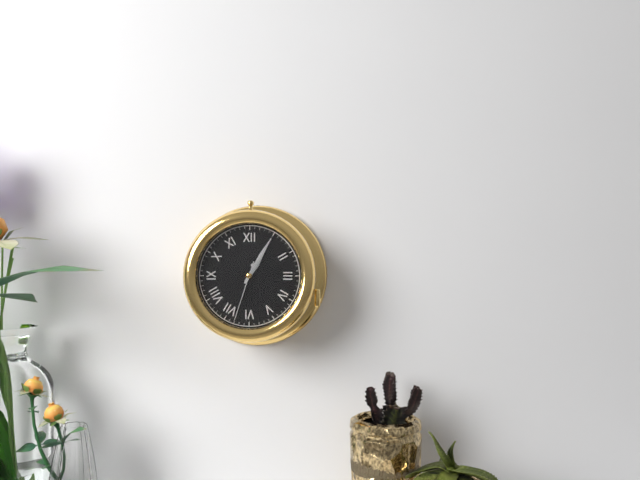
1 h 05 min 33 s
